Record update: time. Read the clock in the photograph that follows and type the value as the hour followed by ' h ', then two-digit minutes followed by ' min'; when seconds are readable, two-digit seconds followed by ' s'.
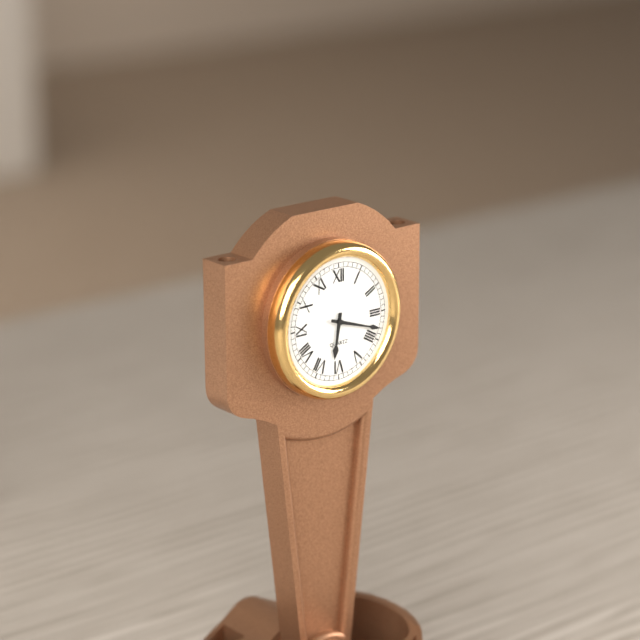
6 h 18 min
